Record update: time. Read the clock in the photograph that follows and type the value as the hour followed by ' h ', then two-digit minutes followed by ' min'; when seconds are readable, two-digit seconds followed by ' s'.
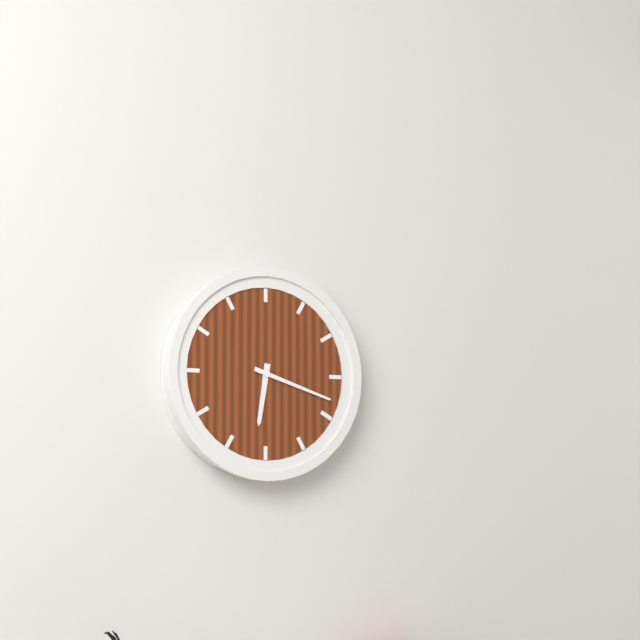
6 h 18 min
